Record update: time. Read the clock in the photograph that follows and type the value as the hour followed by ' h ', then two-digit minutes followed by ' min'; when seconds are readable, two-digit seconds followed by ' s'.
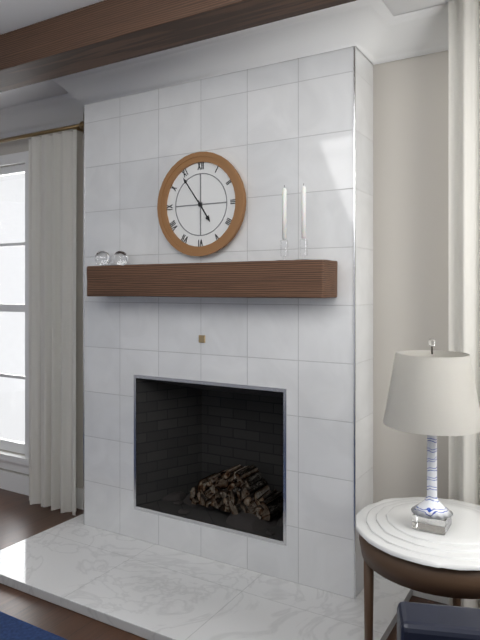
4 h 54 min
